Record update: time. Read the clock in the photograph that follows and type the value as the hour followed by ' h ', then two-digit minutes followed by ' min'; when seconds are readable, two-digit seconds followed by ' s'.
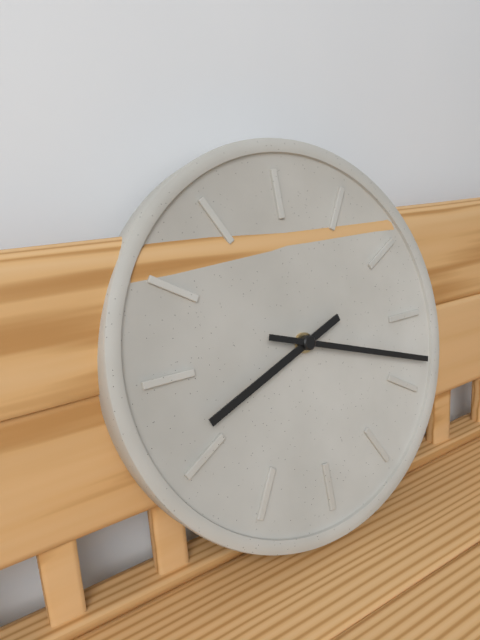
8 h 18 min
